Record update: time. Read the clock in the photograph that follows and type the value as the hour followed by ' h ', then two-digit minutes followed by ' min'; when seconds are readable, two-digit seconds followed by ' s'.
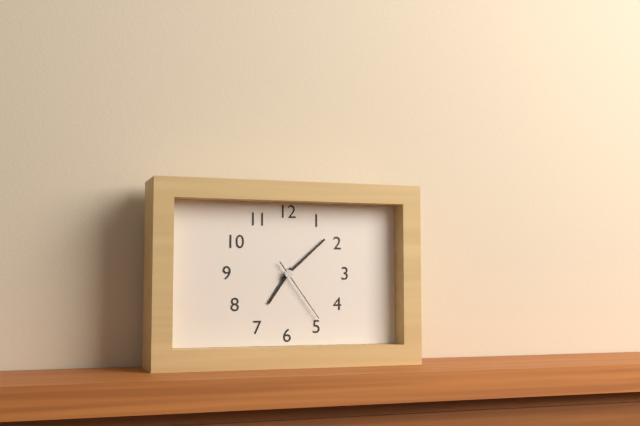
7 h 08 min 24 s
